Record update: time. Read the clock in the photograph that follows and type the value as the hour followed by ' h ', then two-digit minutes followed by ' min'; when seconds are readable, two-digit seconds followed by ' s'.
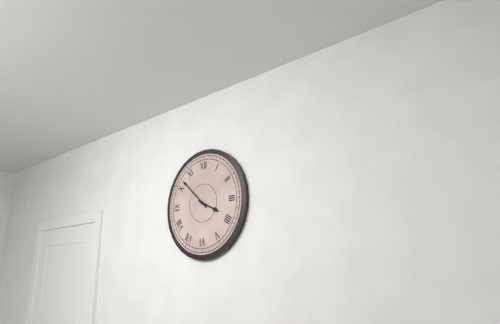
3 h 52 min
